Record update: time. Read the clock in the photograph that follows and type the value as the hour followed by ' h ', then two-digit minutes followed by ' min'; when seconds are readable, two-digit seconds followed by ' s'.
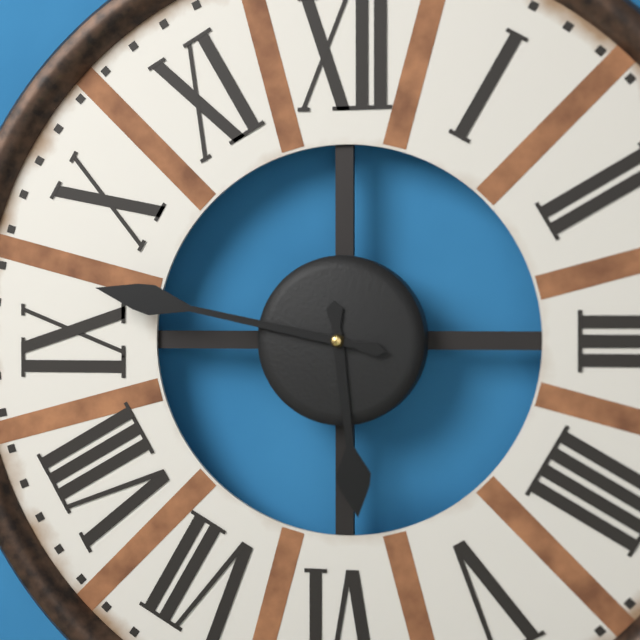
5 h 47 min
